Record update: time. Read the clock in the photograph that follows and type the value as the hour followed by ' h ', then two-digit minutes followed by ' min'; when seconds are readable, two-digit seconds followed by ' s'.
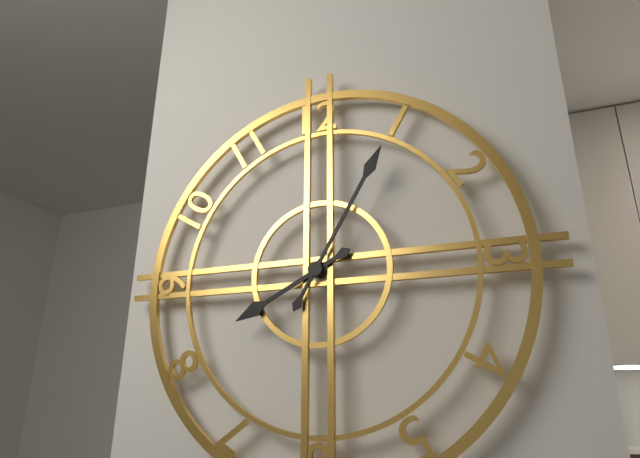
8 h 05 min
